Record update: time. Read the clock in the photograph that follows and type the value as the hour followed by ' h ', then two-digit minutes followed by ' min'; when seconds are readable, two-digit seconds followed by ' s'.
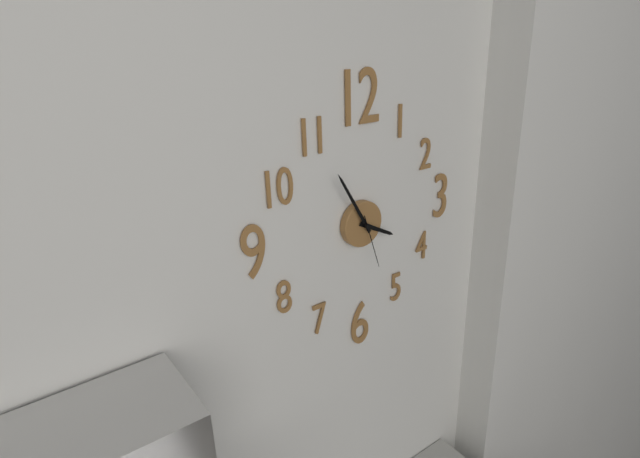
3 h 55 min 27 s
